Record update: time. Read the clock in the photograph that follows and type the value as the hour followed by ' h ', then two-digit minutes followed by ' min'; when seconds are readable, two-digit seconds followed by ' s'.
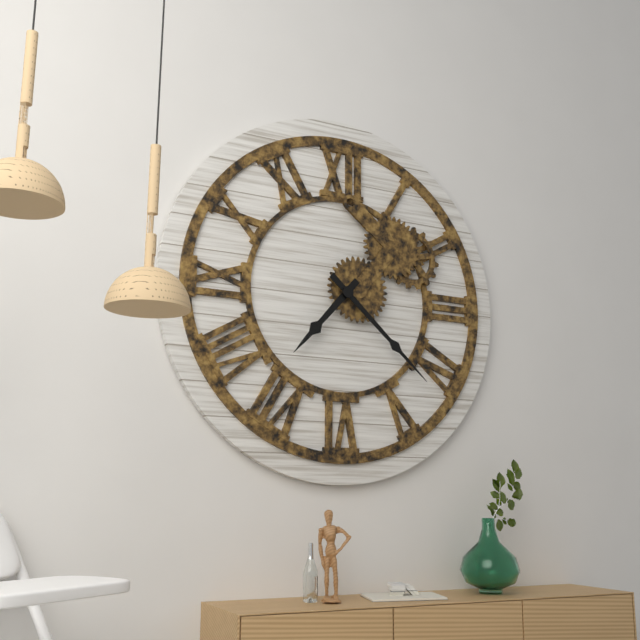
7 h 22 min
